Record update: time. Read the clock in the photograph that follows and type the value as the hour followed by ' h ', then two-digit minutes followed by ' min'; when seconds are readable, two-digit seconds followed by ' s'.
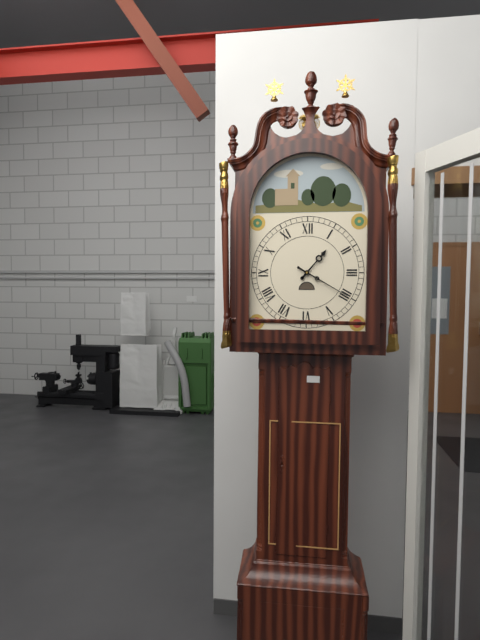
1 h 20 min
